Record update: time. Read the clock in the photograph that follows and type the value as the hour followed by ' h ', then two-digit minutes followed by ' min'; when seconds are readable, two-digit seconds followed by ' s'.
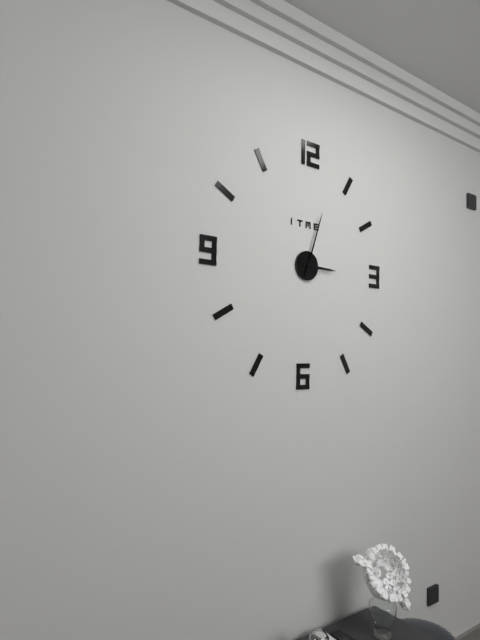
3 h 03 min
